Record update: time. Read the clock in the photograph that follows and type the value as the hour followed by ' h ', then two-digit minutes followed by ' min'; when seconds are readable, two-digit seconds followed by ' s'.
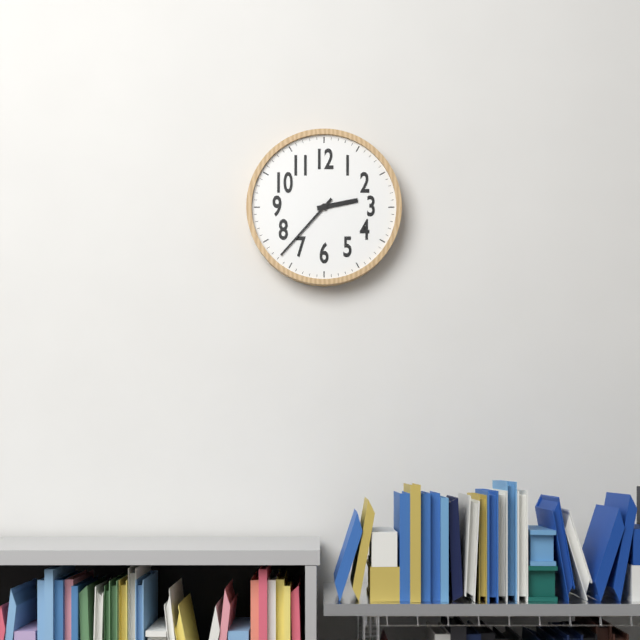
2 h 37 min
